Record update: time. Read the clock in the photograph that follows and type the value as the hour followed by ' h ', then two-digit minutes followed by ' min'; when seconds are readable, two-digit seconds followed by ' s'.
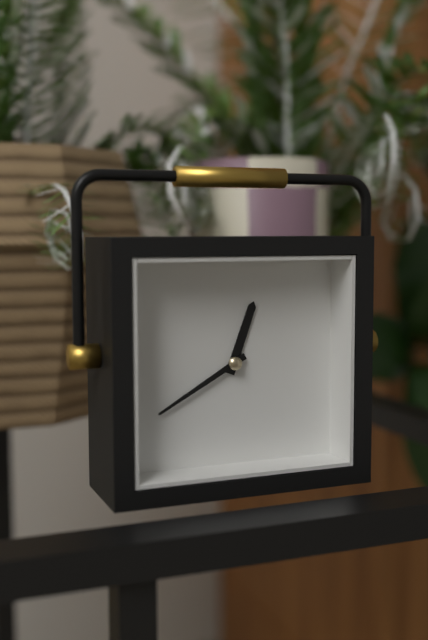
12 h 40 min
